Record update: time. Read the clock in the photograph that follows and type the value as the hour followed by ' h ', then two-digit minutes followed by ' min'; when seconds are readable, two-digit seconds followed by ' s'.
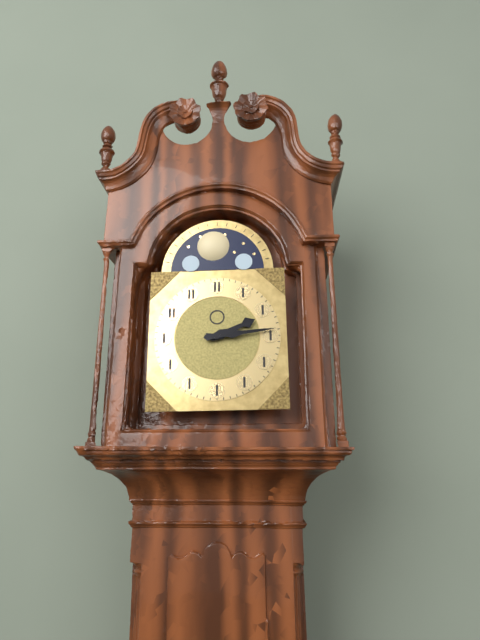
2 h 14 min
